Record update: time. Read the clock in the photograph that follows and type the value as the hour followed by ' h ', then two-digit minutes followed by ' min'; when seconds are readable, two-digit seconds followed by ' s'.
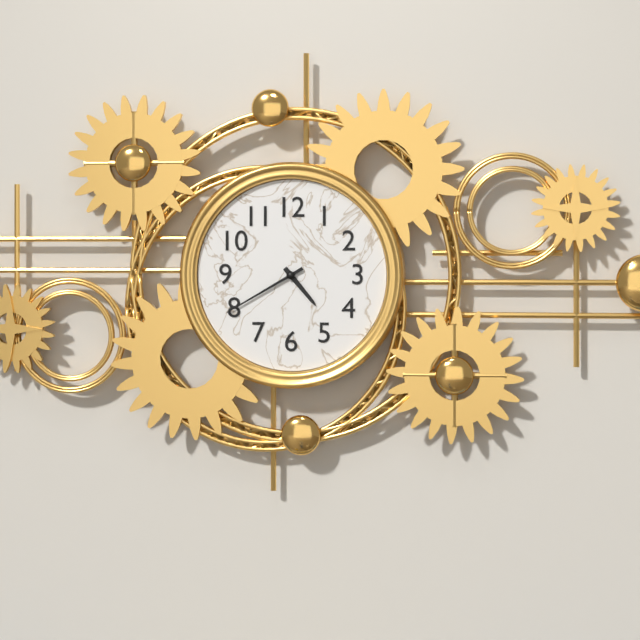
4 h 40 min
